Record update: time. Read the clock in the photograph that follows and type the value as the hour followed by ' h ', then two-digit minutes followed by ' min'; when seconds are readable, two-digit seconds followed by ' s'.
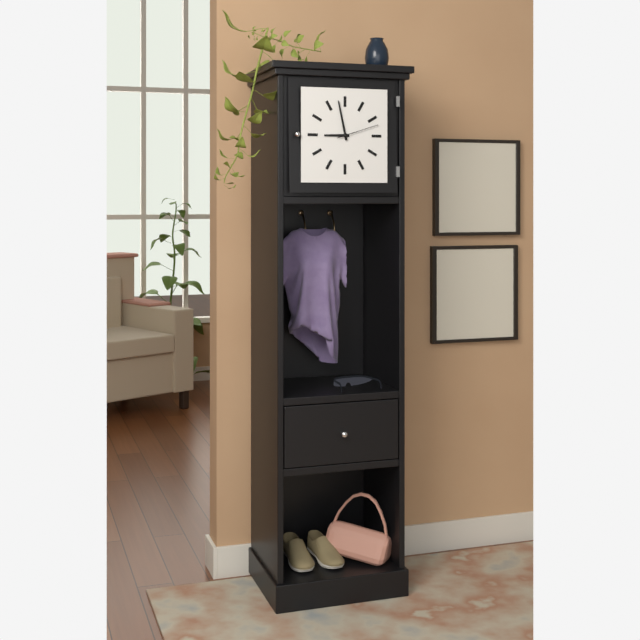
8 h 58 min
